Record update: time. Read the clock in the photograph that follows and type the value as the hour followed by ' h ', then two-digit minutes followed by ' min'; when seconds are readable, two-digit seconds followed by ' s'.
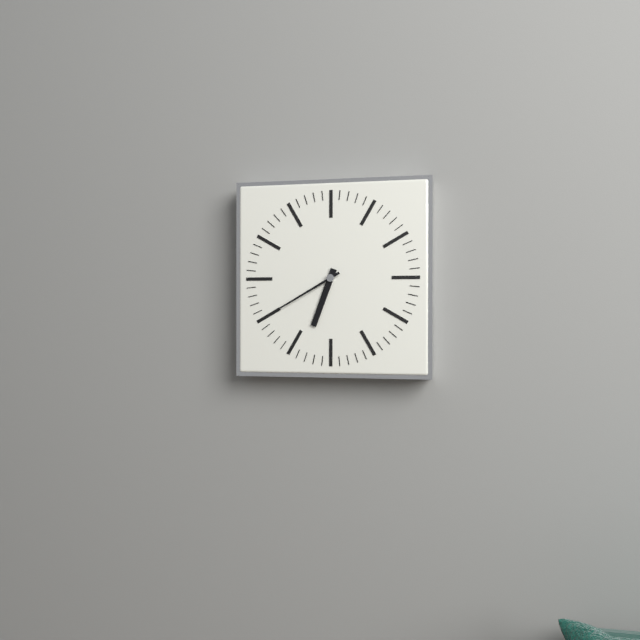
6 h 40 min
